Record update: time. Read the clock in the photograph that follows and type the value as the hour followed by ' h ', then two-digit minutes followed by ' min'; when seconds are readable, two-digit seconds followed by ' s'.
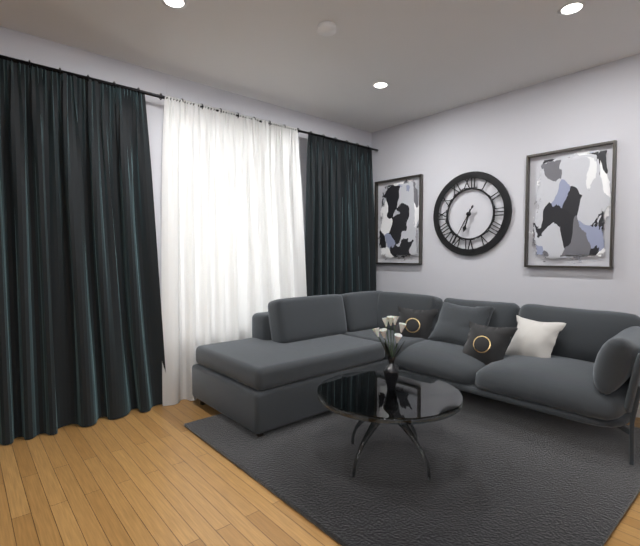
6 h 35 min
